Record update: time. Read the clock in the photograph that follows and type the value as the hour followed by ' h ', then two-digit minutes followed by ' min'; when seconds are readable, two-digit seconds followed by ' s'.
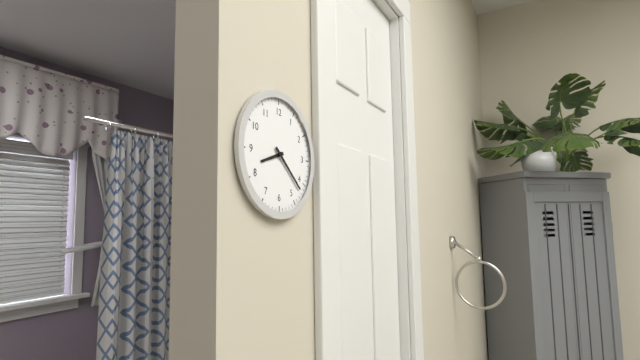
8 h 22 min
